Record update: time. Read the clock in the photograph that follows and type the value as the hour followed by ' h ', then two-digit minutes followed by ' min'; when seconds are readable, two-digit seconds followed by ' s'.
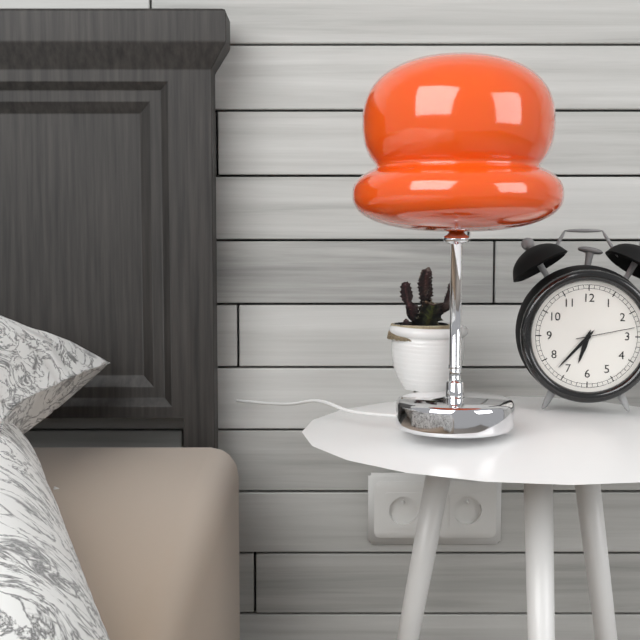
6 h 37 min 13 s
